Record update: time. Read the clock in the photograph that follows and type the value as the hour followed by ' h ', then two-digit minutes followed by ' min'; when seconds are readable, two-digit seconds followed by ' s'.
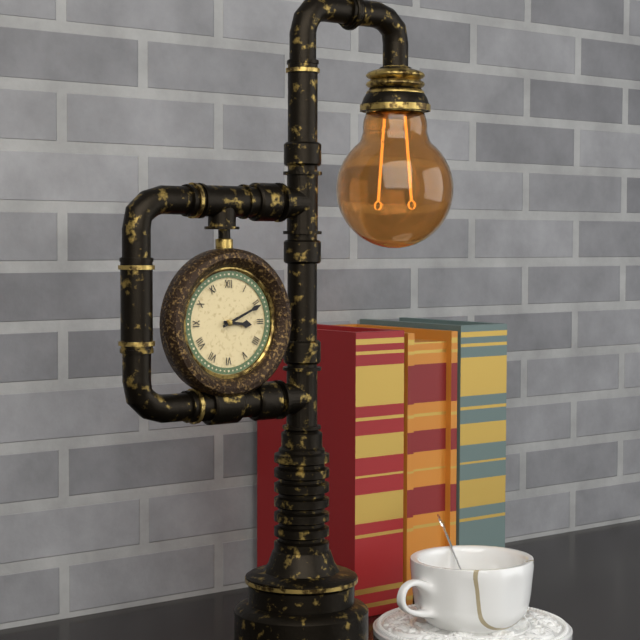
3 h 11 min
